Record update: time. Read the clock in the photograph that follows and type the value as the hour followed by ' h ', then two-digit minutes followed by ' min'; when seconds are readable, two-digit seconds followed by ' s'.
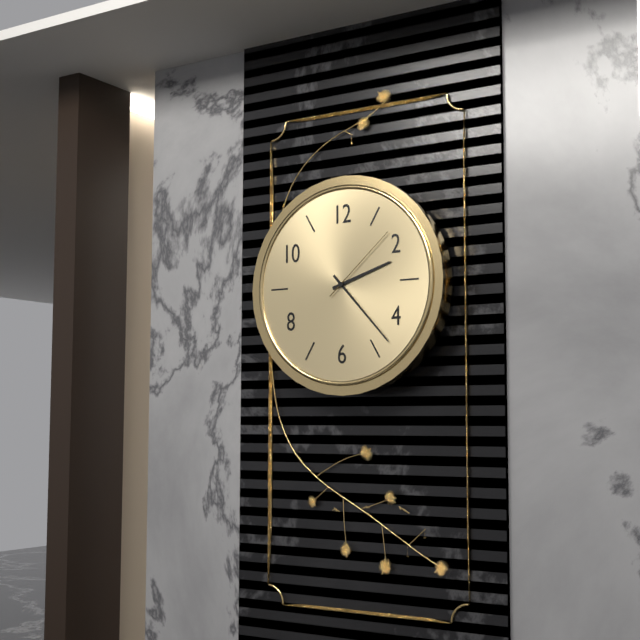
2 h 23 min 08 s
